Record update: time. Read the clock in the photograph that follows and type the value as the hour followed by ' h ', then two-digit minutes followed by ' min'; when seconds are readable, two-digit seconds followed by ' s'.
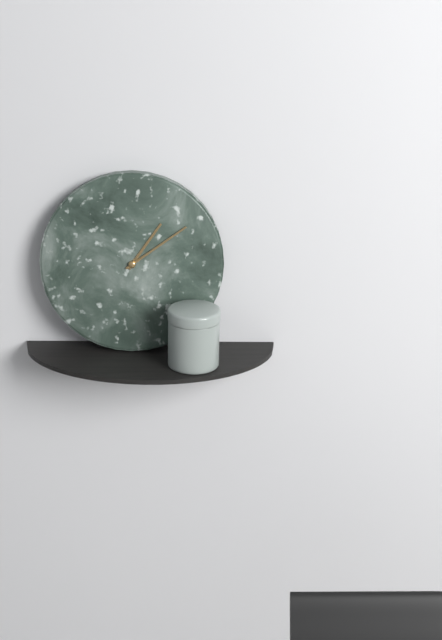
1 h 09 min
